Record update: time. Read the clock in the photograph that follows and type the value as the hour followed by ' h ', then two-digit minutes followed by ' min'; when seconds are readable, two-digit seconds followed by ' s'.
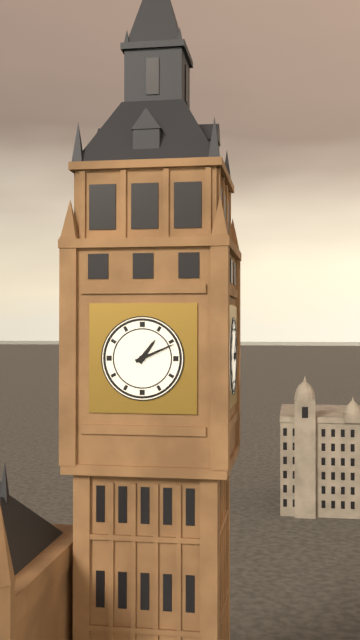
1 h 11 min
